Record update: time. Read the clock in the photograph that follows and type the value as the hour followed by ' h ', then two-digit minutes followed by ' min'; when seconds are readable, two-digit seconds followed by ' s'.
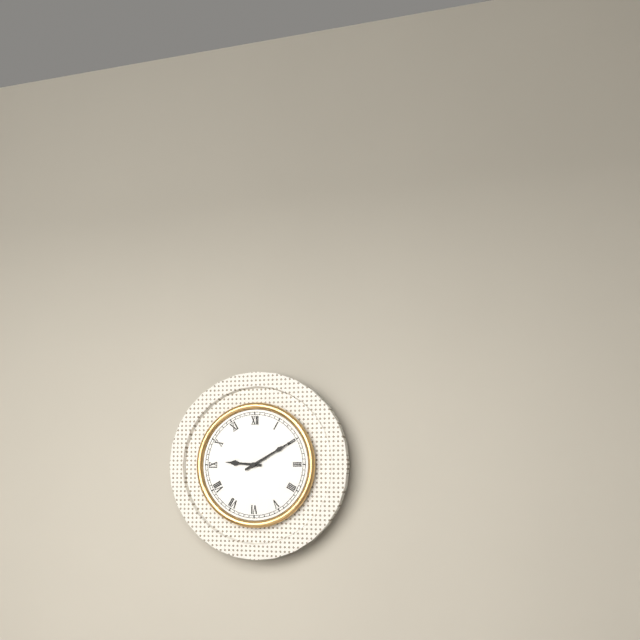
9 h 10 min
